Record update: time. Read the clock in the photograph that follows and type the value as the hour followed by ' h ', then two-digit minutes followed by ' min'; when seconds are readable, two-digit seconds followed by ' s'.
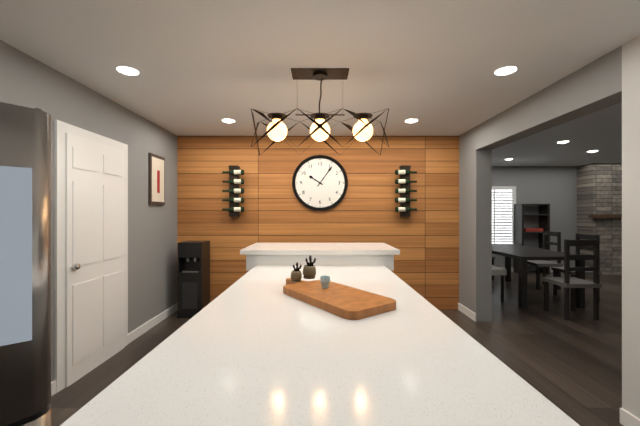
10 h 06 min
